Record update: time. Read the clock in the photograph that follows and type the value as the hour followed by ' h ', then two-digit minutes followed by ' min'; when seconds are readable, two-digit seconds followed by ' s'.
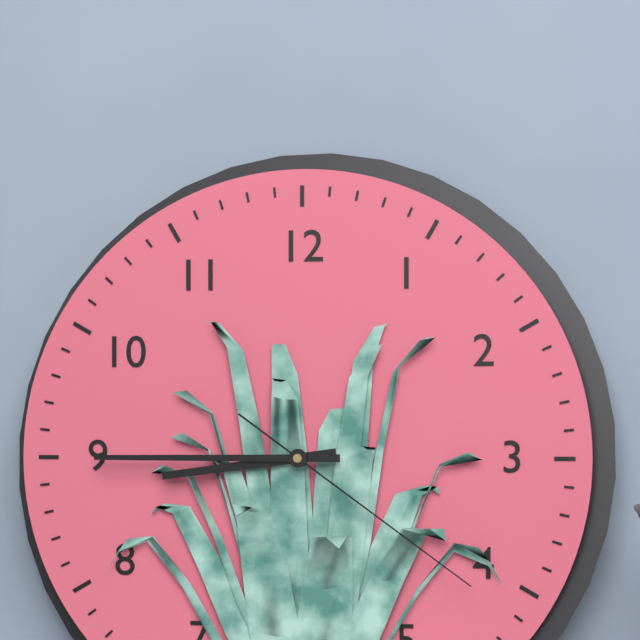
8 h 45 min 21 s
